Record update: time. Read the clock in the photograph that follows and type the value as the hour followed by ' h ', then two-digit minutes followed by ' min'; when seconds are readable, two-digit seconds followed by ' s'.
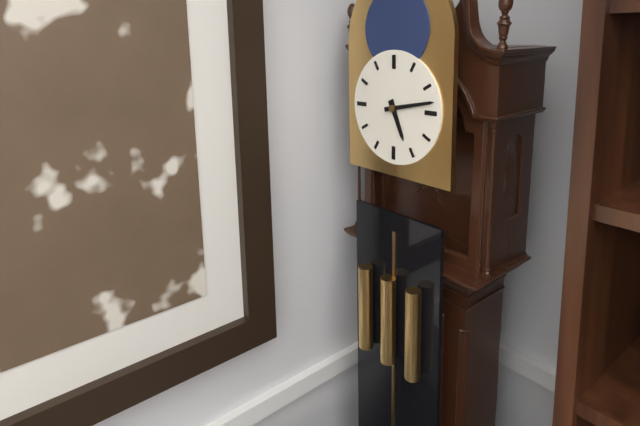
5 h 13 min
